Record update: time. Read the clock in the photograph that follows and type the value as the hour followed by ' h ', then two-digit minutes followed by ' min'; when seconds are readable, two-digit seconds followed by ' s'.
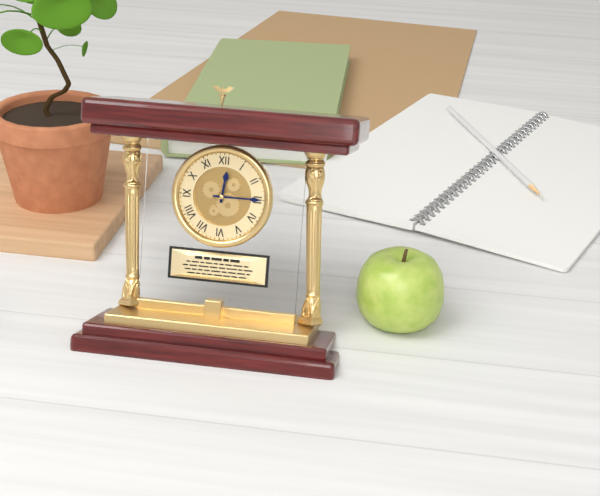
12 h 15 min
